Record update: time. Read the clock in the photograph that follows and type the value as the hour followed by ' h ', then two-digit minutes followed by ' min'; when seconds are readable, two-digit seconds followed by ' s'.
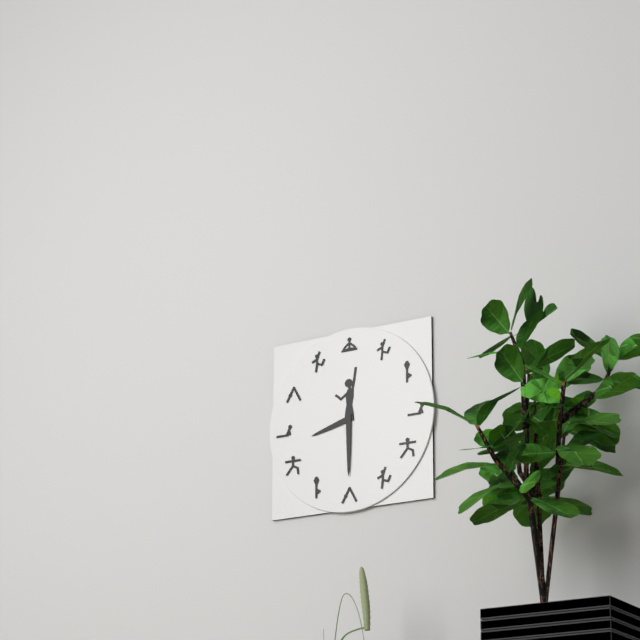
8 h 30 min
